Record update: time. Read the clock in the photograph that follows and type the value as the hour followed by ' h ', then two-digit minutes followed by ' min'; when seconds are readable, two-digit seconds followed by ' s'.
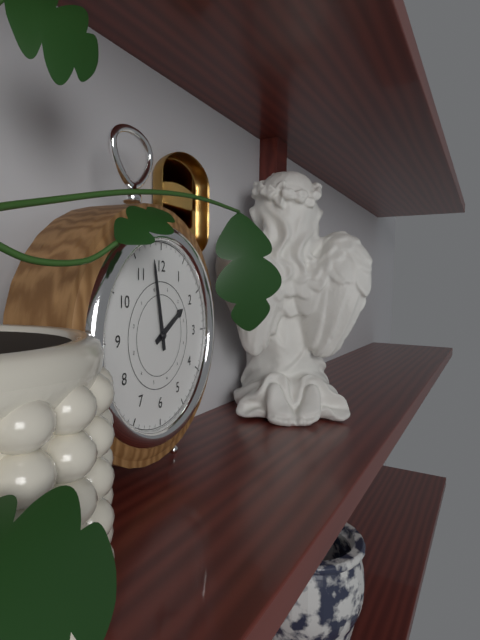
1 h 58 min
